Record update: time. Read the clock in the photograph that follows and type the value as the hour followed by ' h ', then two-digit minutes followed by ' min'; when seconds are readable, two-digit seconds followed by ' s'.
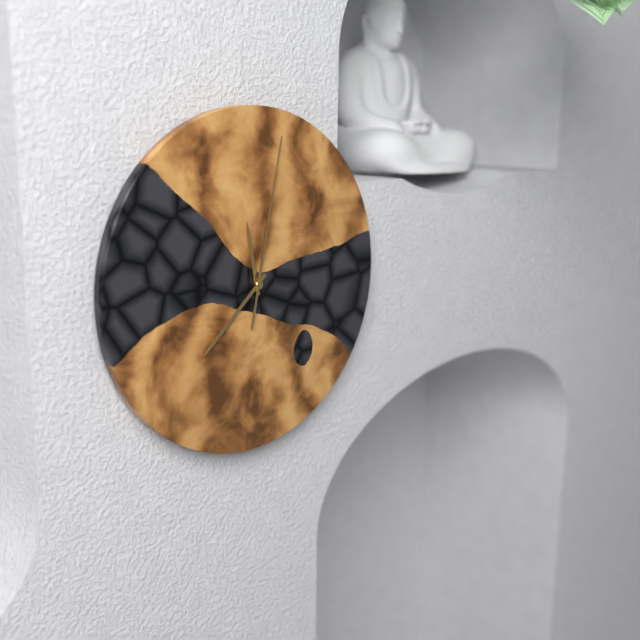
11 h 38 min 02 s
